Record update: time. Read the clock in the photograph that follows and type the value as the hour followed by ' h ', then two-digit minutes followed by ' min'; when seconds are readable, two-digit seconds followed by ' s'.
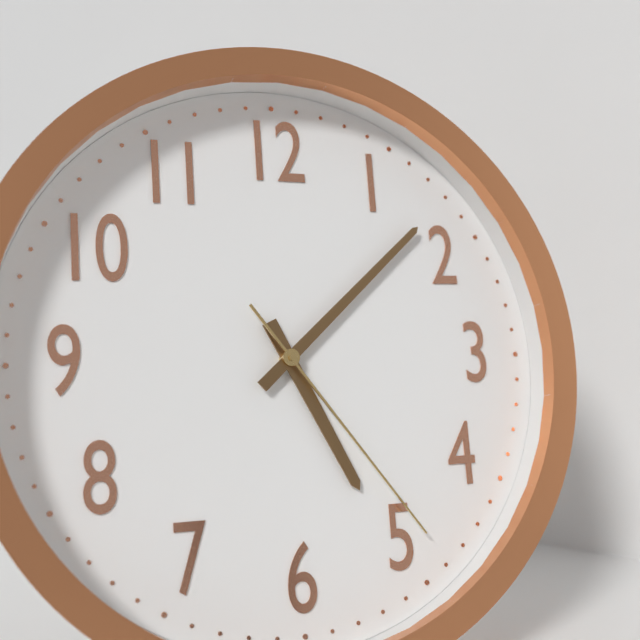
5 h 08 min 24 s
